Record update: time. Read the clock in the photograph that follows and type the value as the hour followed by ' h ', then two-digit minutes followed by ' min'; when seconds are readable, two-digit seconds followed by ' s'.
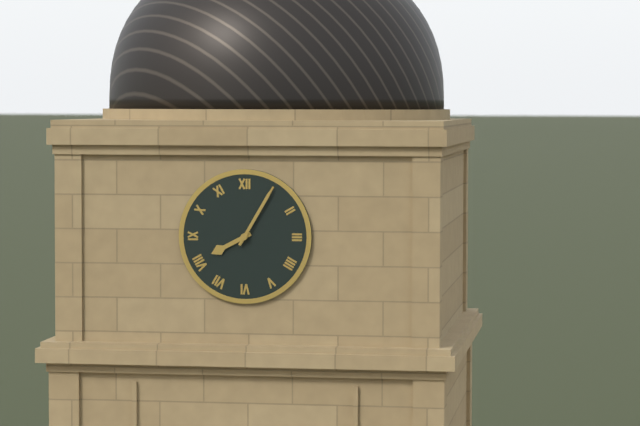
8 h 05 min
